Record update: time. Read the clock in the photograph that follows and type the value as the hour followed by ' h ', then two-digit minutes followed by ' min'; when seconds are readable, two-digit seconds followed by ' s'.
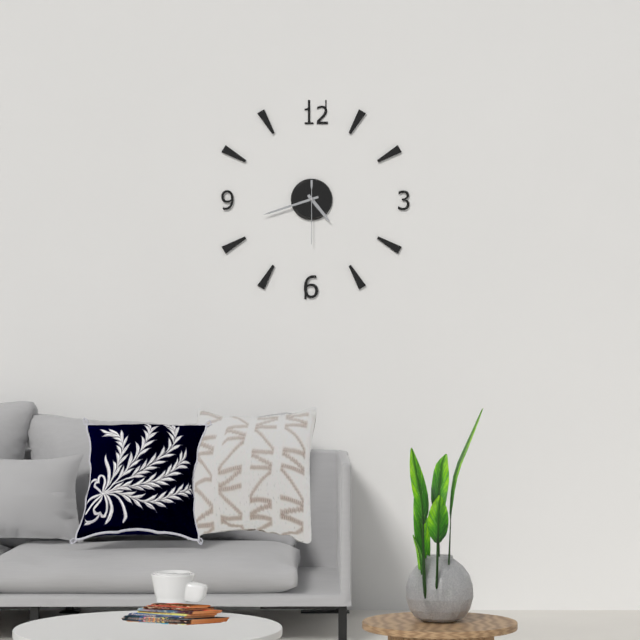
4 h 42 min 30 s
